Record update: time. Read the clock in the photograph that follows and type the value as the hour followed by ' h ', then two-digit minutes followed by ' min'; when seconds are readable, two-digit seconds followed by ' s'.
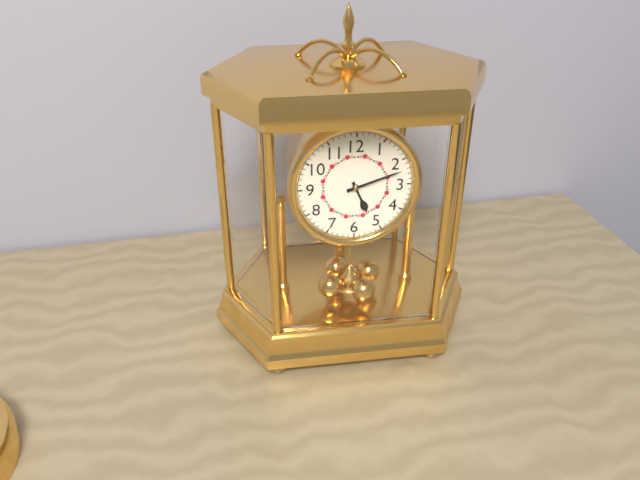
5 h 12 min
